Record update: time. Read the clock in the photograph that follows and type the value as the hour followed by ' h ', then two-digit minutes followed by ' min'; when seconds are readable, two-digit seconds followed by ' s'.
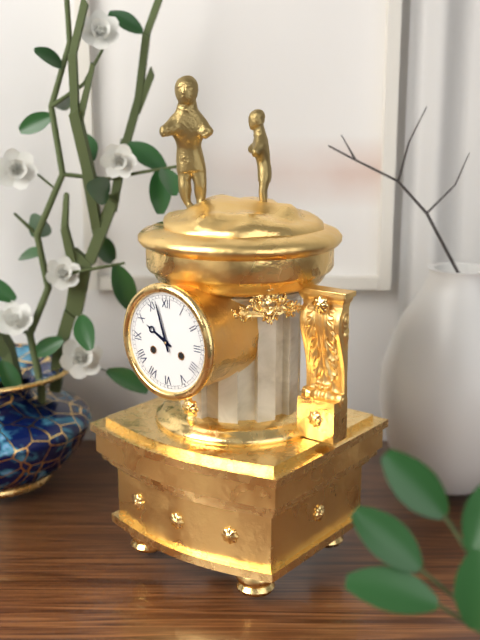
9 h 57 min
